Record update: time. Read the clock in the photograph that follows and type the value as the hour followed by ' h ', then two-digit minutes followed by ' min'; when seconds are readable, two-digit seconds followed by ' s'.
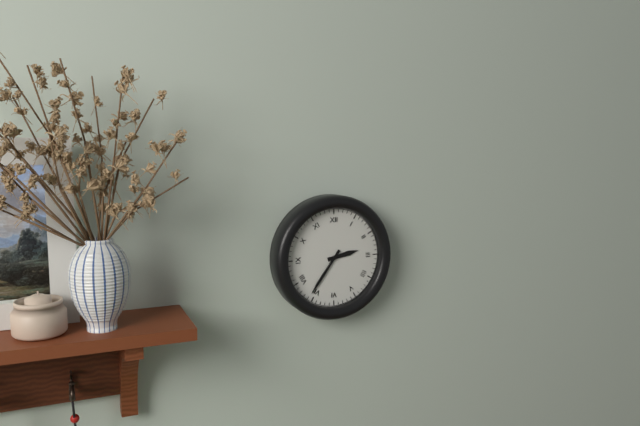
2 h 36 min
